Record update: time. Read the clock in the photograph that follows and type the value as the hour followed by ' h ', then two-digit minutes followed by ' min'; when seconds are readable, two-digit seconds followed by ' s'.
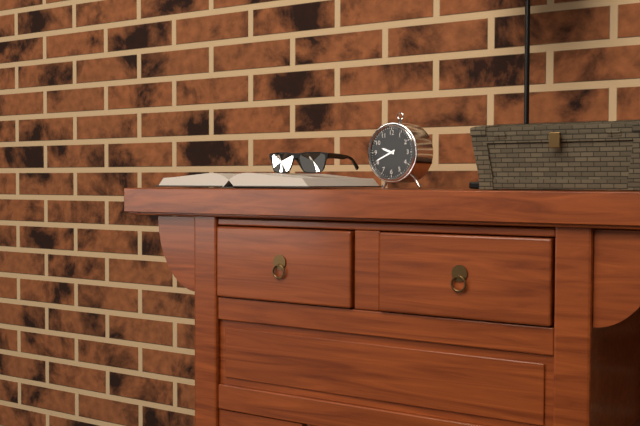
9 h 41 min
